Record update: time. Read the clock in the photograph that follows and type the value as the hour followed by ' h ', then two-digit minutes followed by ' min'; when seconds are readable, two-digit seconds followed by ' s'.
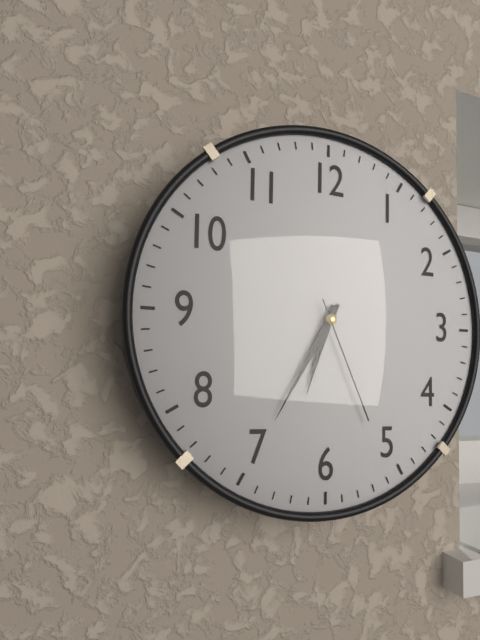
6 h 35 min 26 s
